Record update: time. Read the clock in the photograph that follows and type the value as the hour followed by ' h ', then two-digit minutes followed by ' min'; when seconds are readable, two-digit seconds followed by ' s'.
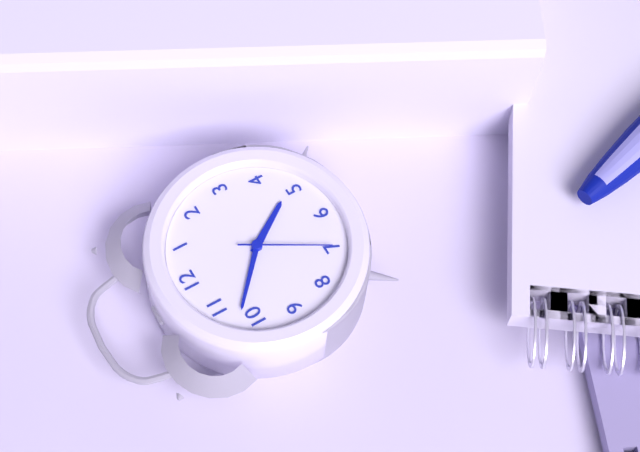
4 h 52 min 35 s
